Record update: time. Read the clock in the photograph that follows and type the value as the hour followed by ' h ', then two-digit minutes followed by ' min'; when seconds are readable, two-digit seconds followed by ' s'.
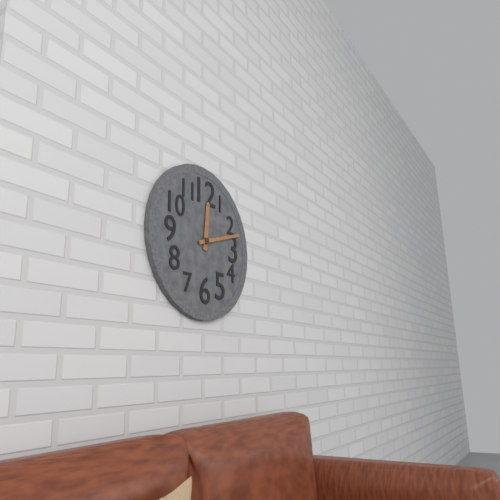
12 h 12 min
